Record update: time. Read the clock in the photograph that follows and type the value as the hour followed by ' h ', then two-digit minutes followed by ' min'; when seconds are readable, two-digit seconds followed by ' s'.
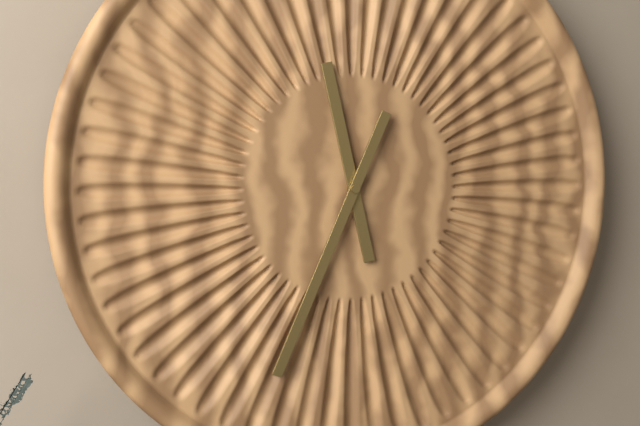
11 h 34 min
